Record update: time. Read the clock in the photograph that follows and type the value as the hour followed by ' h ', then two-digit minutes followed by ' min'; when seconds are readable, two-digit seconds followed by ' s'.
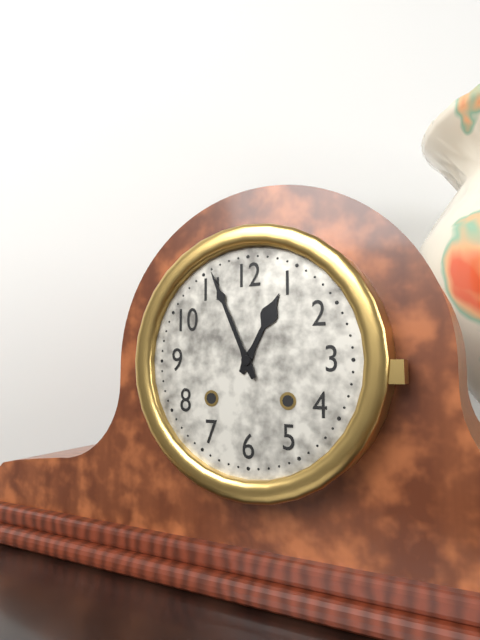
12 h 56 min
